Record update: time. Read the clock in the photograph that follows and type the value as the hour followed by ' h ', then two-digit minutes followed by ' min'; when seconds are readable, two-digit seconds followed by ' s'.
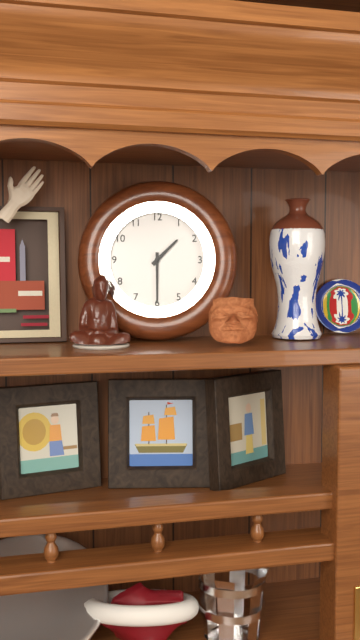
1 h 30 min
